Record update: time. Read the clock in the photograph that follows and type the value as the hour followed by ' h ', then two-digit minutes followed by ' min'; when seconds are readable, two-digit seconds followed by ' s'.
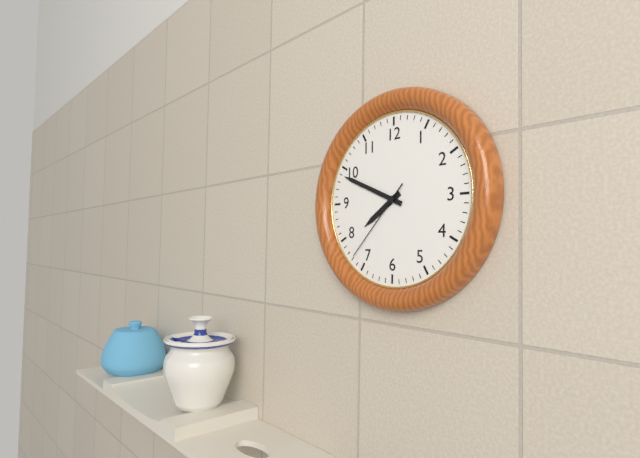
7 h 49 min 37 s
